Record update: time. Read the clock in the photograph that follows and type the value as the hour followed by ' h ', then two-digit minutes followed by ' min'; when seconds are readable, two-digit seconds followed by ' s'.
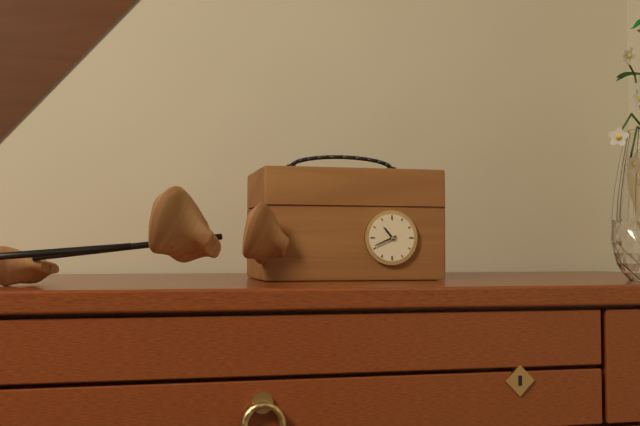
10 h 41 min
